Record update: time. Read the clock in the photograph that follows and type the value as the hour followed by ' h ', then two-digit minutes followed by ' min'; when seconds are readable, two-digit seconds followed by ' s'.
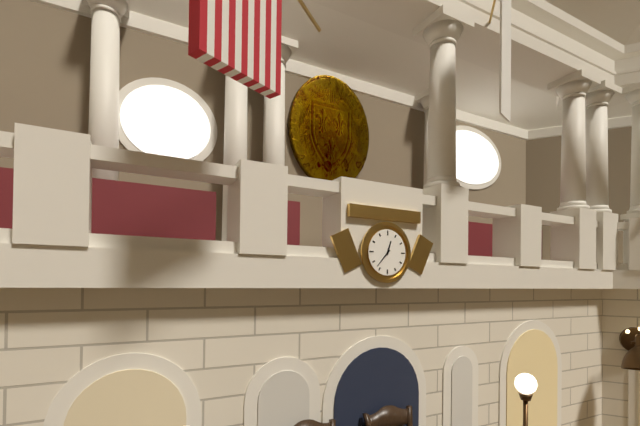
12 h 37 min
